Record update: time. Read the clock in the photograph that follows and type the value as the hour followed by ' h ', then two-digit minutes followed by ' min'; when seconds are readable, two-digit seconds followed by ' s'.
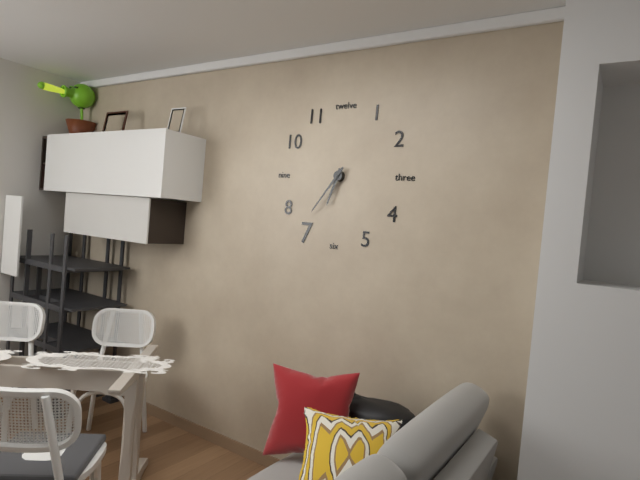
6 h 36 min
